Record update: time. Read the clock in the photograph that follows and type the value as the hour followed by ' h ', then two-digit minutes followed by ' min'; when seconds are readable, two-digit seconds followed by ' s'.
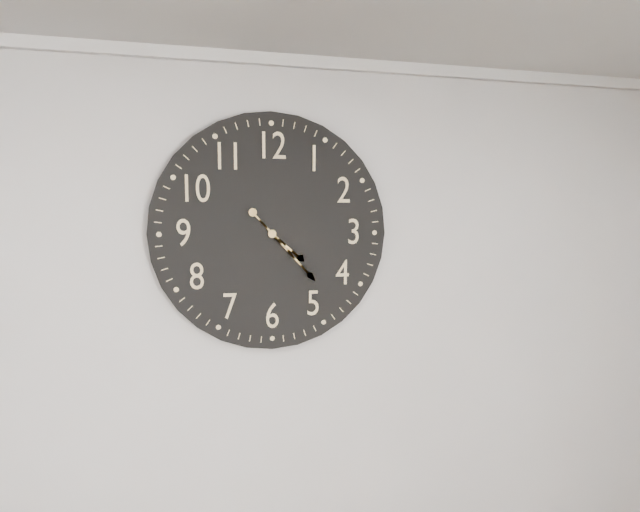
4 h 23 min
